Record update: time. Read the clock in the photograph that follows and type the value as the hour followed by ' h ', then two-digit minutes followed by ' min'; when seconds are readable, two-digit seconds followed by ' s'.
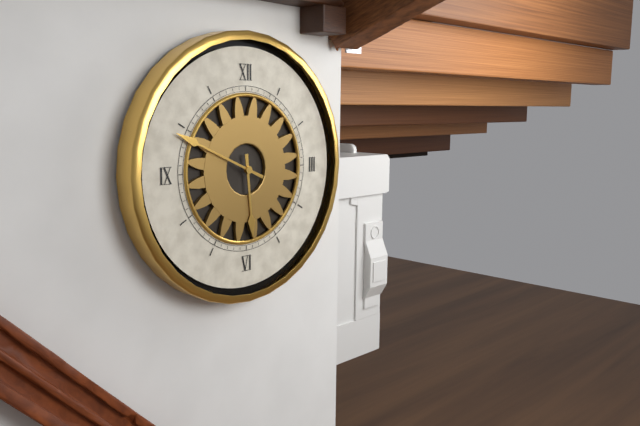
5 h 49 min
